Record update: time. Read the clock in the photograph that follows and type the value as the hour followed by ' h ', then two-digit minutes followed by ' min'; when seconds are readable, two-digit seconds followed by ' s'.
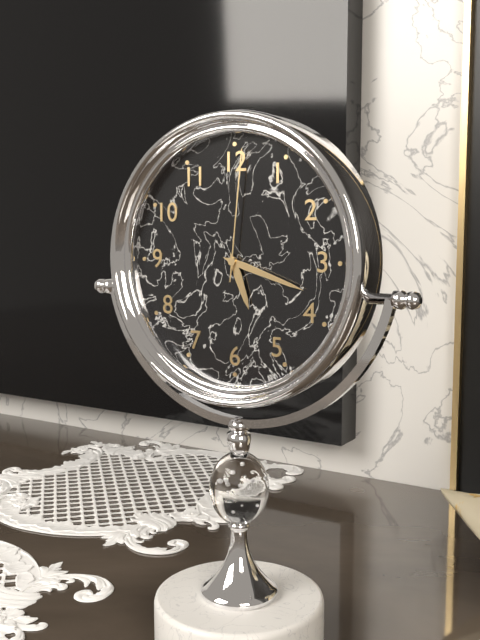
5 h 18 min 01 s
